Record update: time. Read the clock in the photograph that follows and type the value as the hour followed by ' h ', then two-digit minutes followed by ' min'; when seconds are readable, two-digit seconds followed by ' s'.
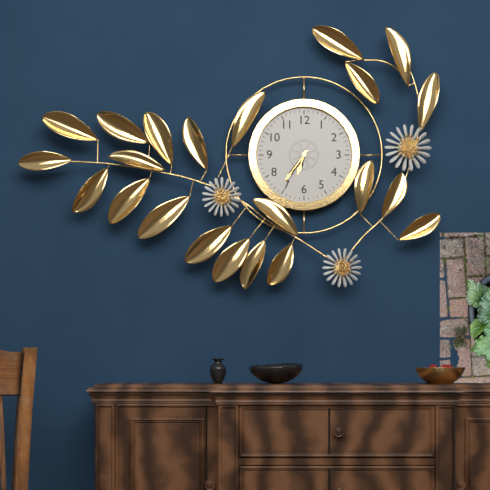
6 h 36 min
